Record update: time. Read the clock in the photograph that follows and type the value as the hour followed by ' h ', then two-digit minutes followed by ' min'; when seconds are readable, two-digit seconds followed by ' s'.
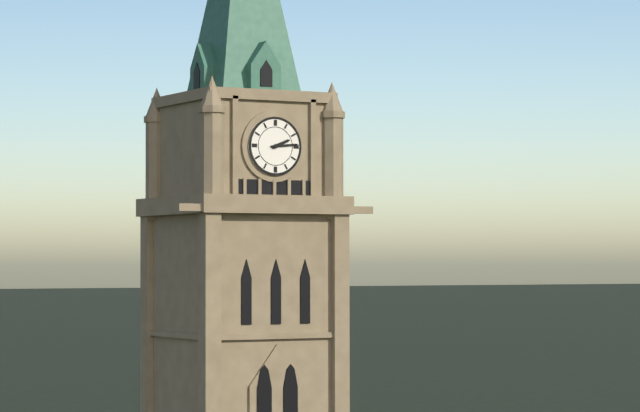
2 h 14 min
